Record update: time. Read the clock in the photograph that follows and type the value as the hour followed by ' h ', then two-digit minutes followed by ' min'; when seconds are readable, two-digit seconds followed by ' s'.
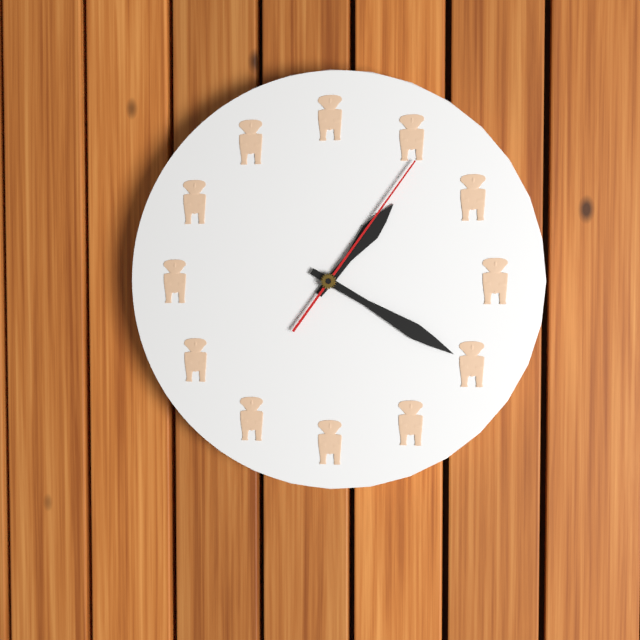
1 h 20 min 06 s
